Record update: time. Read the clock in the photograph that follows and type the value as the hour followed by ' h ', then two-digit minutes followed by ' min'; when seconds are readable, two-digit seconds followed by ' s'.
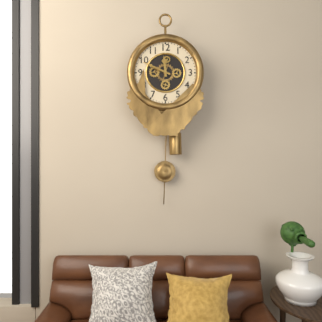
11 h 49 min
